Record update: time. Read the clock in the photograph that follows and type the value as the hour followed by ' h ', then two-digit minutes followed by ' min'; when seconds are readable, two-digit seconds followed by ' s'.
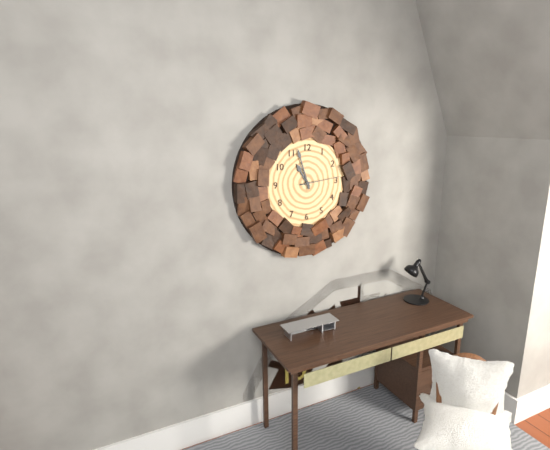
10 h 57 min
